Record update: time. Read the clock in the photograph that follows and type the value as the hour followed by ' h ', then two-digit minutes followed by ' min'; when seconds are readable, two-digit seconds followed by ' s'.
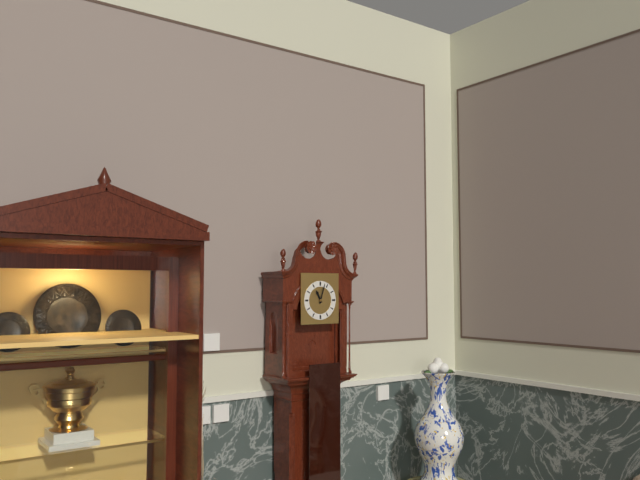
11 h 03 min
